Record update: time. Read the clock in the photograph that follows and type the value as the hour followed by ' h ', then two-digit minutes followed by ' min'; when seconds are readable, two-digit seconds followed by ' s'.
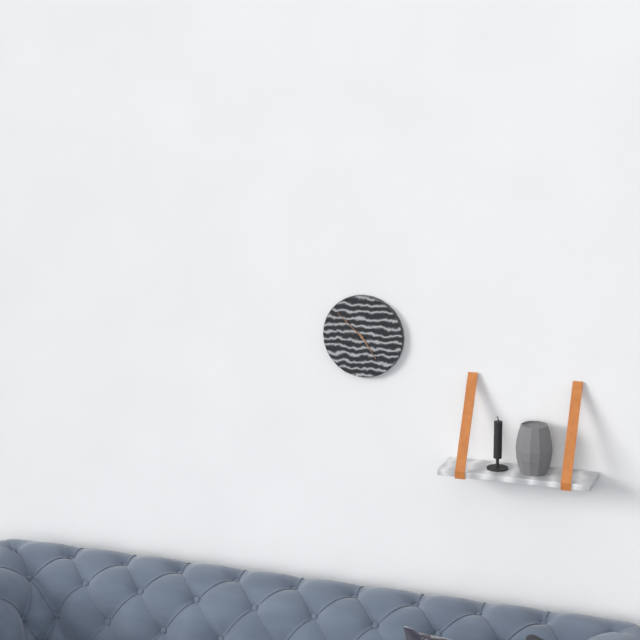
4 h 52 min
